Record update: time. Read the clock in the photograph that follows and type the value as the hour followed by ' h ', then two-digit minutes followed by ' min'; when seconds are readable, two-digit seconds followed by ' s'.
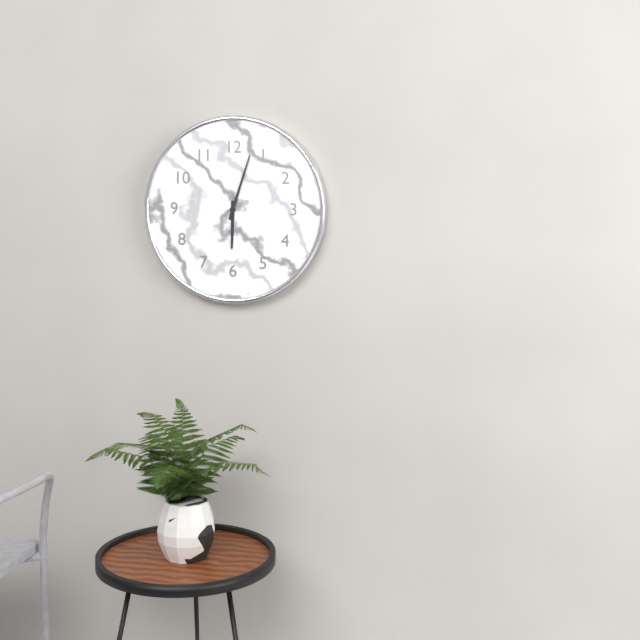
6 h 03 min
